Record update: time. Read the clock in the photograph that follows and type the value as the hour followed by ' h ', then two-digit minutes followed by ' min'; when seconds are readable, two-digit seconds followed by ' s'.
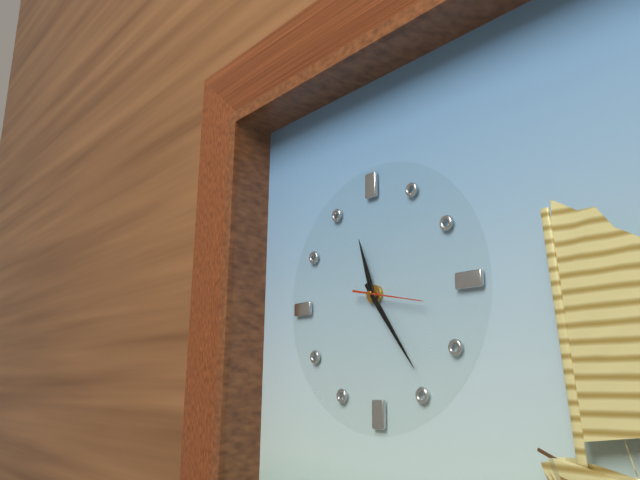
11 h 24 min 17 s
